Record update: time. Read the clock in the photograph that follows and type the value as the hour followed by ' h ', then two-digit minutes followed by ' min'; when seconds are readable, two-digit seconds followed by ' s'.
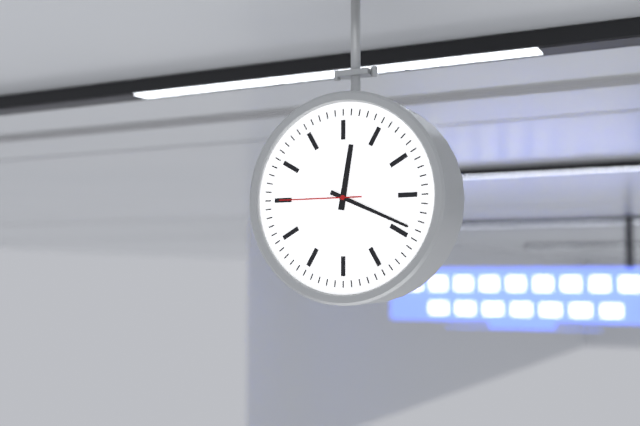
12 h 19 min 45 s
